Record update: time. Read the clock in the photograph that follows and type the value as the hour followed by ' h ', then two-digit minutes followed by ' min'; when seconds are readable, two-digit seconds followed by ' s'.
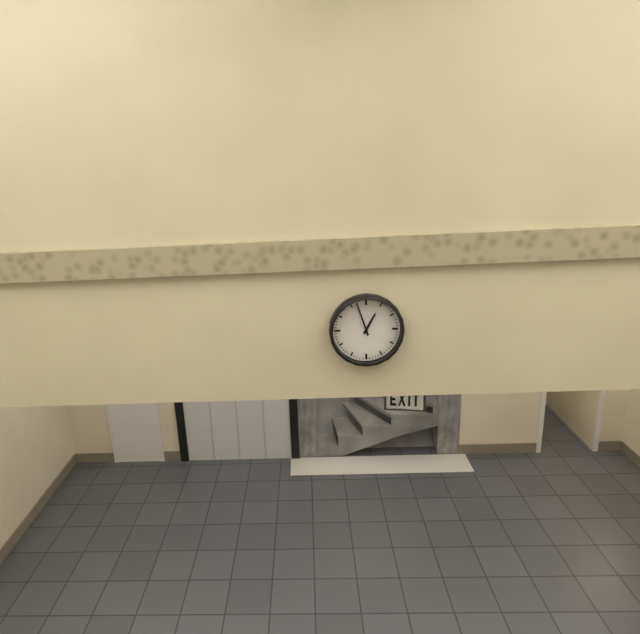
12 h 57 min
